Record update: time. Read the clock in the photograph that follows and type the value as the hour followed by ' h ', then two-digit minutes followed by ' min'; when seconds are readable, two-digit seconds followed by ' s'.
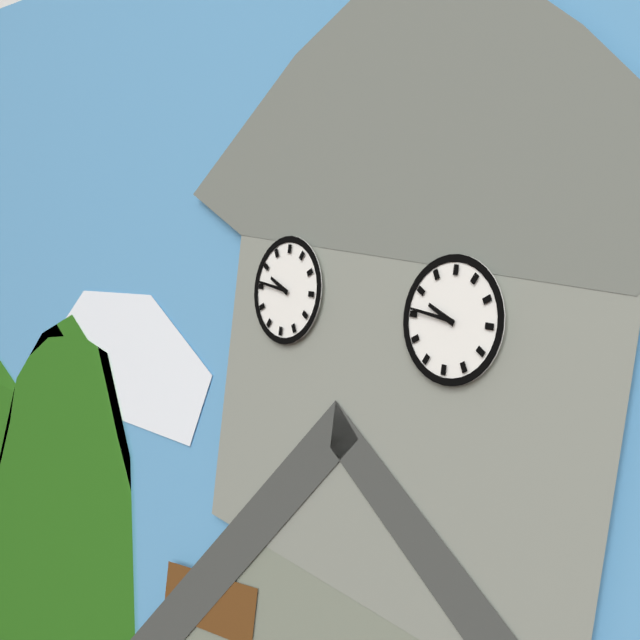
9 h 46 min
